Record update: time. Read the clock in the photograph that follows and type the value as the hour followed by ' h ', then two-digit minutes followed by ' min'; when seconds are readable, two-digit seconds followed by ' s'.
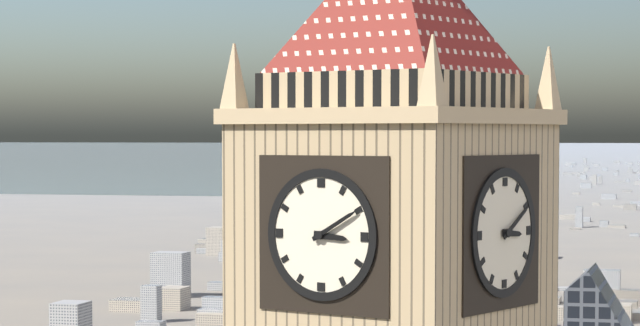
3 h 10 min
